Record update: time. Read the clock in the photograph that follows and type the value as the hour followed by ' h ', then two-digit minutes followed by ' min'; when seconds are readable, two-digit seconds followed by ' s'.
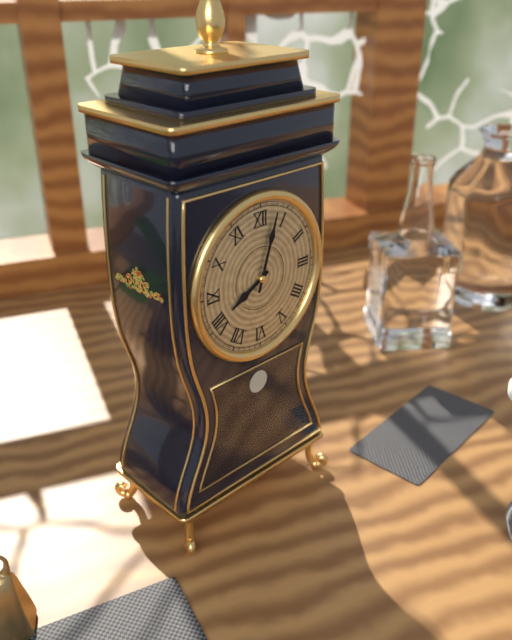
8 h 03 min
